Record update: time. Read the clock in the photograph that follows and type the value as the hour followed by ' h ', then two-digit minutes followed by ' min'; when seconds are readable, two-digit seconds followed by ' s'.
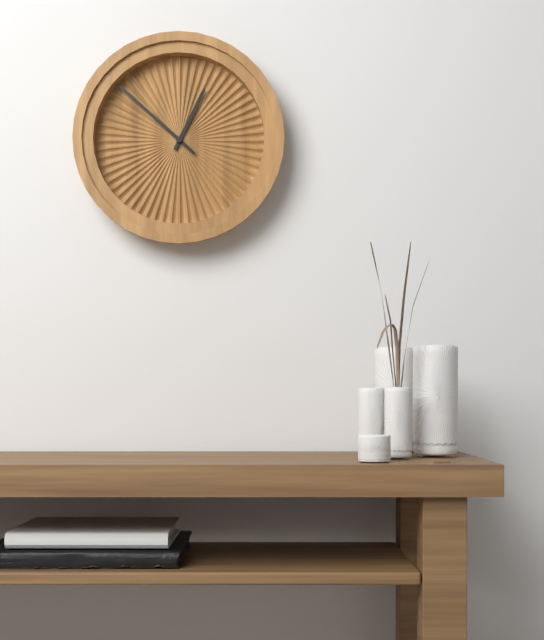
12 h 52 min
